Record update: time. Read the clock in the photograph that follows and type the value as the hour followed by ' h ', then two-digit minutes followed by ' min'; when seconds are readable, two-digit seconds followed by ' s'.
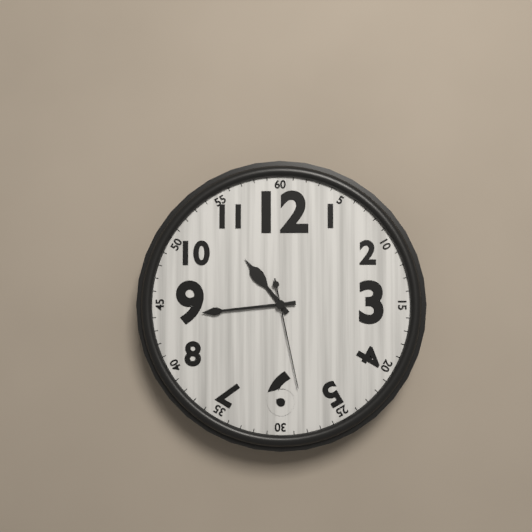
10 h 44 min 28 s
